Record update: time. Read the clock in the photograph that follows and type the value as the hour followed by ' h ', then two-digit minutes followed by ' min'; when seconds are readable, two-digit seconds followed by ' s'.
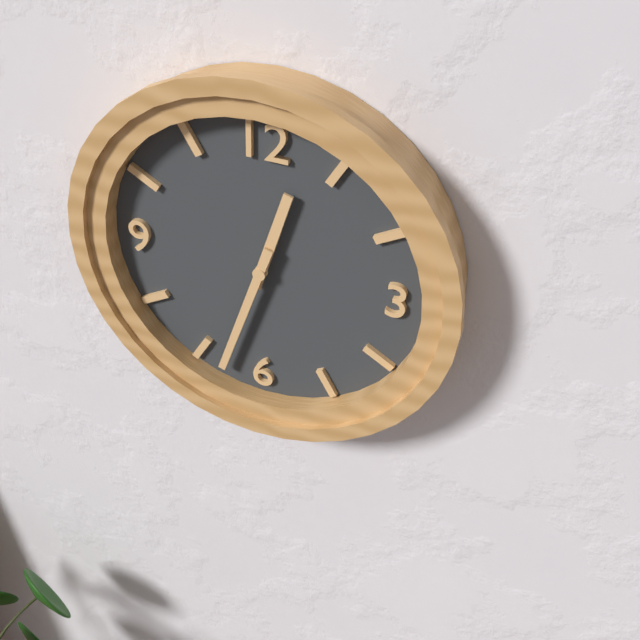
12 h 33 min
